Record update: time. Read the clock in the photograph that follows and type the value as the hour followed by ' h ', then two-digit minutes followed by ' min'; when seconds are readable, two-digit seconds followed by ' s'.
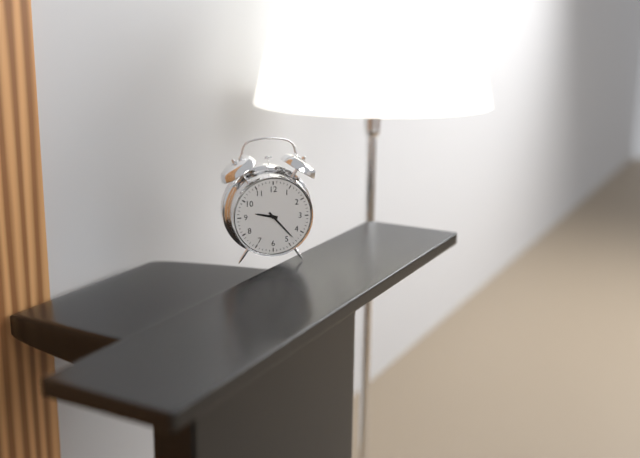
9 h 23 min
